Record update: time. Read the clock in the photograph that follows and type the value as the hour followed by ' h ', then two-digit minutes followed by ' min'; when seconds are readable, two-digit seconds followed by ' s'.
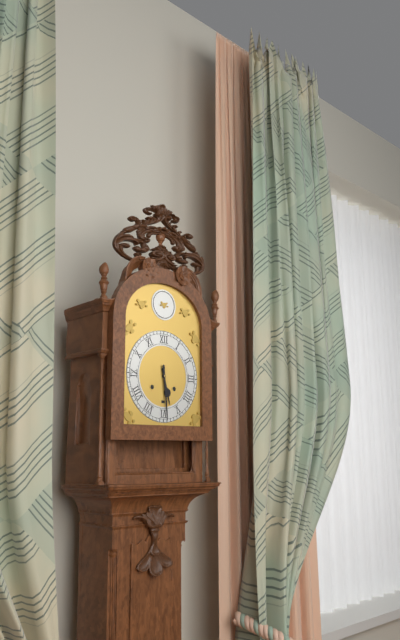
5 h 29 min
